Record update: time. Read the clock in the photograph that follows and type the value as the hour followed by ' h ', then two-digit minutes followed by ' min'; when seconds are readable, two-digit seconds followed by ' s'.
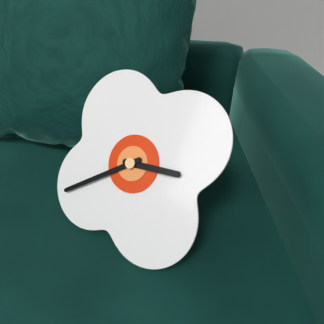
2 h 38 min
